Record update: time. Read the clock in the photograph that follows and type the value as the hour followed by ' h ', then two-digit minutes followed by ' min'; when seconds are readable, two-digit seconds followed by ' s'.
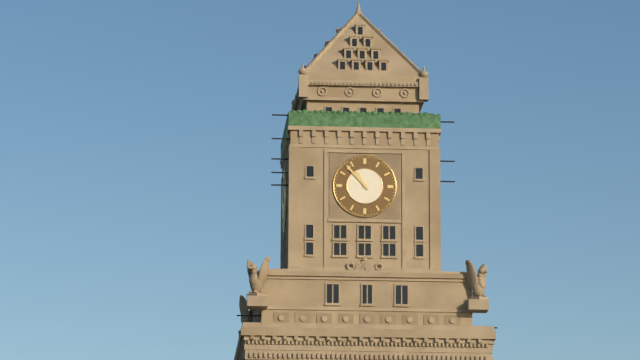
10 h 53 min
